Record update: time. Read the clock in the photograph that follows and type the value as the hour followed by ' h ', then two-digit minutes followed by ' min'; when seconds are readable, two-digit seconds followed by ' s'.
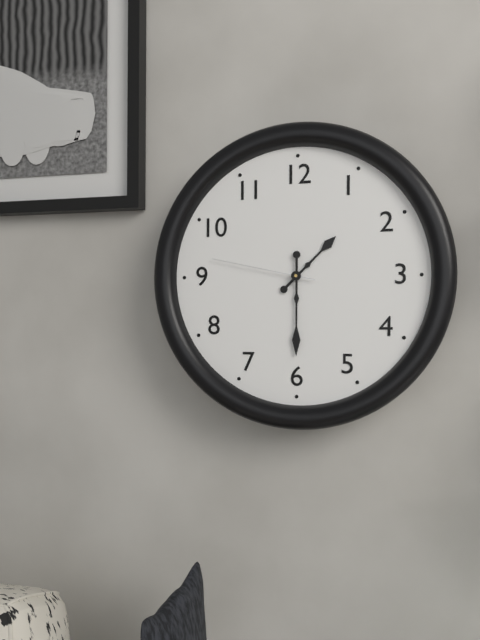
1 h 30 min 47 s
